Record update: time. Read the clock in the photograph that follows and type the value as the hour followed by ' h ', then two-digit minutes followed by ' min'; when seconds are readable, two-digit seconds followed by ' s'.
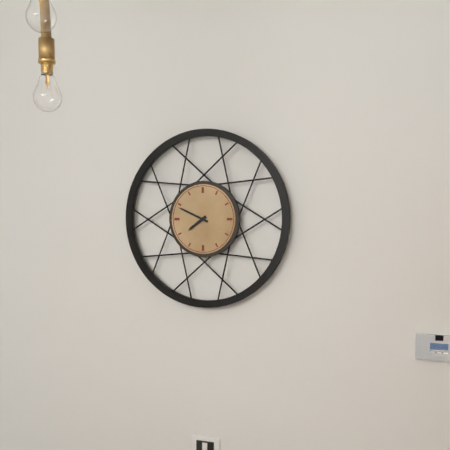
7 h 49 min
